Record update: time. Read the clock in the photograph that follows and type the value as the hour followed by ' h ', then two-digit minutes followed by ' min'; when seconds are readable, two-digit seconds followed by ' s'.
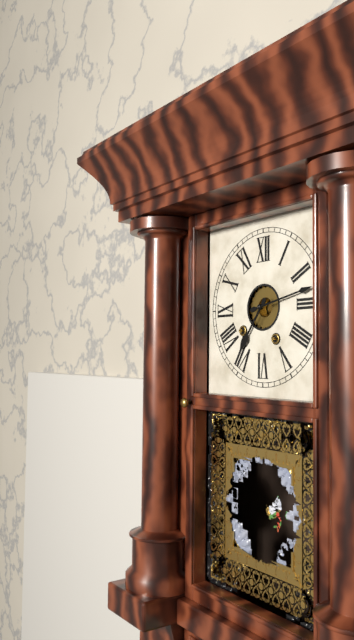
7 h 13 min
